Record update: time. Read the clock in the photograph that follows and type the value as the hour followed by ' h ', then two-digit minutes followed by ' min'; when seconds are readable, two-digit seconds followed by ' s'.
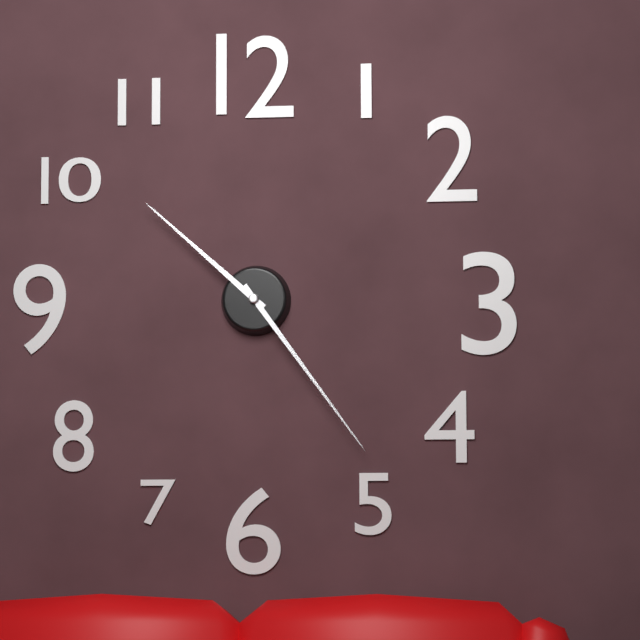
10 h 24 min
